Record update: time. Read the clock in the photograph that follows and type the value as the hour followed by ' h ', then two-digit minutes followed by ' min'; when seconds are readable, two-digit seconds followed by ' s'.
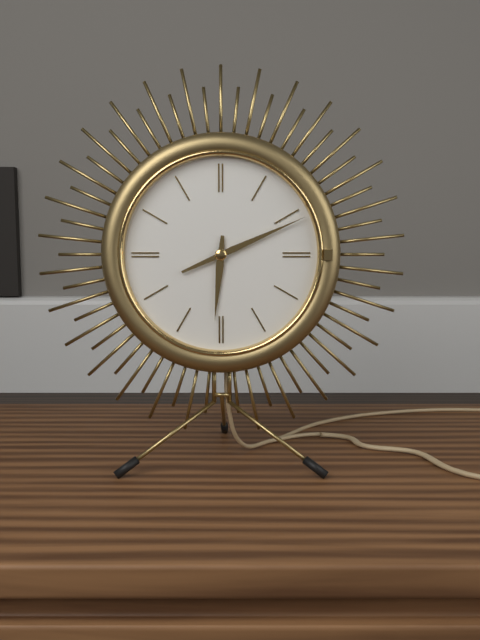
6 h 11 min
